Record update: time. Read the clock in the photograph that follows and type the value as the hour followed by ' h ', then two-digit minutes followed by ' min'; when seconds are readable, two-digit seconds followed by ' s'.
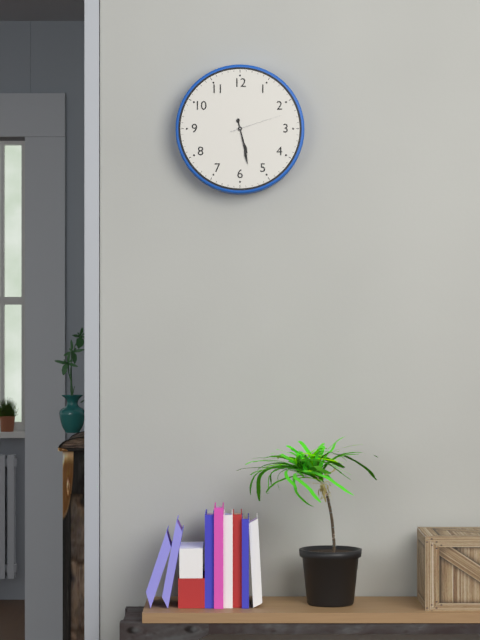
5 h 28 min 12 s
